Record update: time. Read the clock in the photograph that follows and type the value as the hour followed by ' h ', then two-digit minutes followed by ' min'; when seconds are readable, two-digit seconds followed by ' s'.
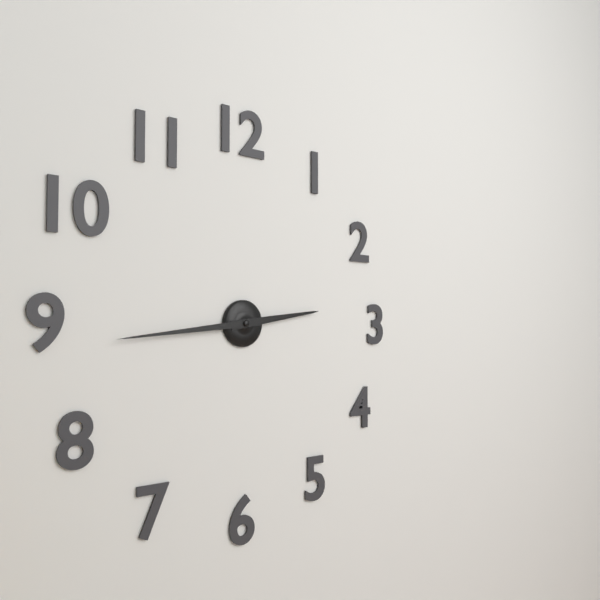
2 h 44 min
